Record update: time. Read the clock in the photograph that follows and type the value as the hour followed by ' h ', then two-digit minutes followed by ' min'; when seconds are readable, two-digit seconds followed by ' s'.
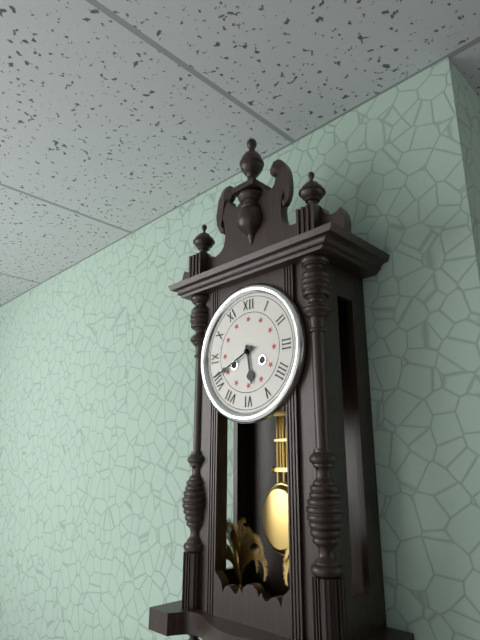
5 h 41 min
